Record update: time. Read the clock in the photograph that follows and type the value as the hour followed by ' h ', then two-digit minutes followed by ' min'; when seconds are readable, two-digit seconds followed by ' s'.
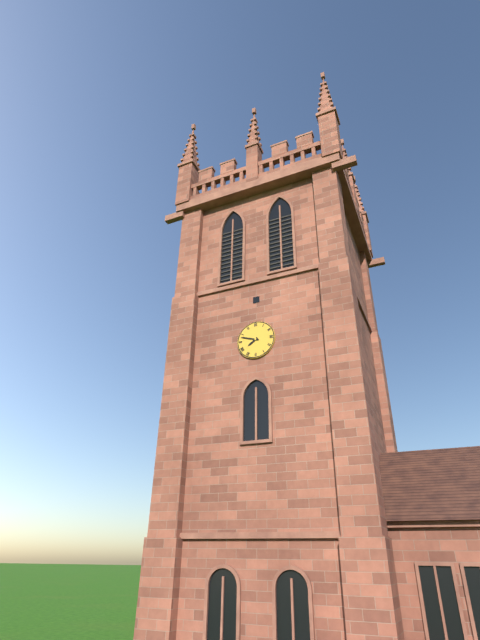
7 h 48 min
